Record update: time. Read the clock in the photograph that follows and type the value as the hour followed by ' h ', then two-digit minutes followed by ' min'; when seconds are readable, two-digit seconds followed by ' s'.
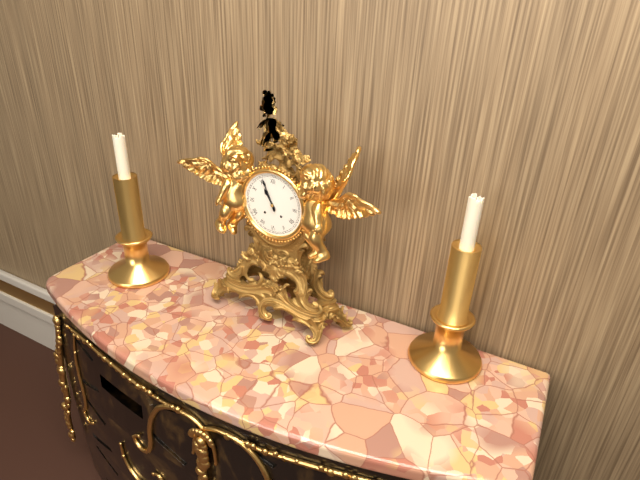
10 h 56 min
